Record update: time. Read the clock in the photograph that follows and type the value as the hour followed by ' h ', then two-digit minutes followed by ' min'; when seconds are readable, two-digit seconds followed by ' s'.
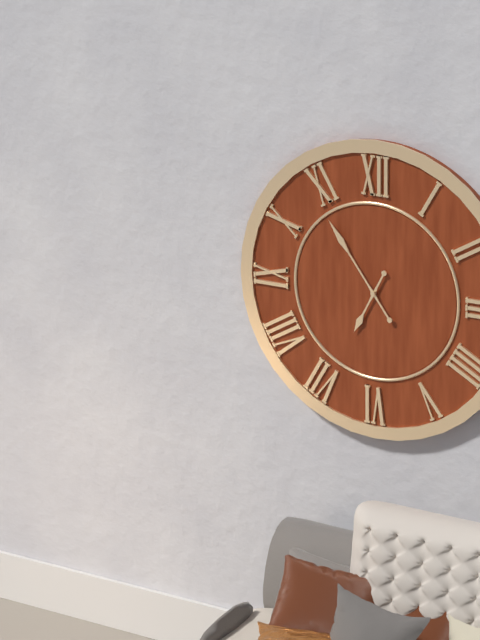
6 h 54 min
